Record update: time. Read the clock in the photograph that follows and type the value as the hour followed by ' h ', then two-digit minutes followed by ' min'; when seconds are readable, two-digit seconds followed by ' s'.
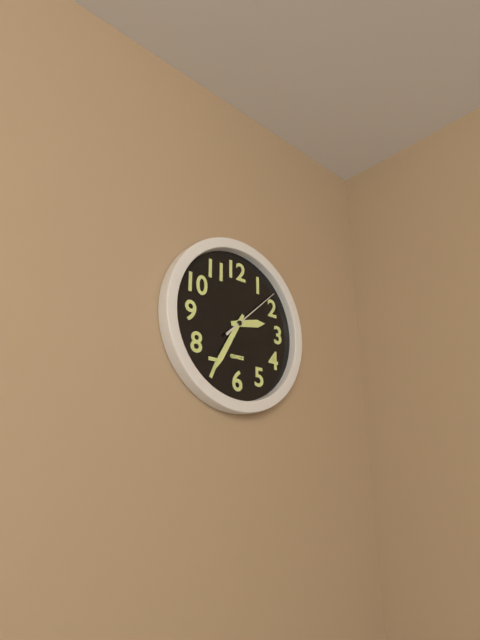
2 h 35 min 08 s
